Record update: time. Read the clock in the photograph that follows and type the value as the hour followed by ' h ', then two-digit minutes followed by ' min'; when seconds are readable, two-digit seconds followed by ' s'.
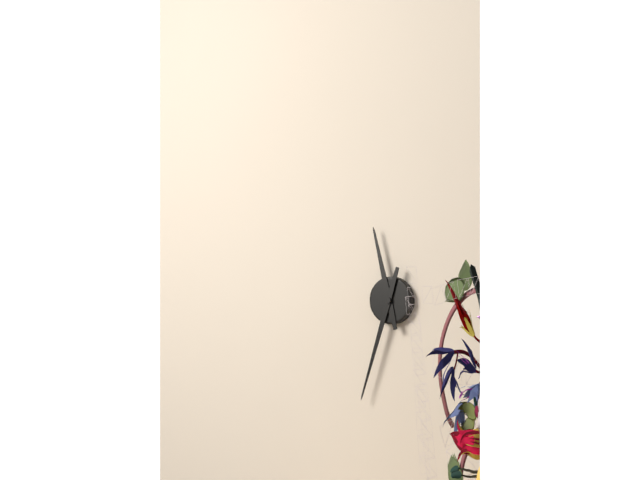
11 h 33 min
